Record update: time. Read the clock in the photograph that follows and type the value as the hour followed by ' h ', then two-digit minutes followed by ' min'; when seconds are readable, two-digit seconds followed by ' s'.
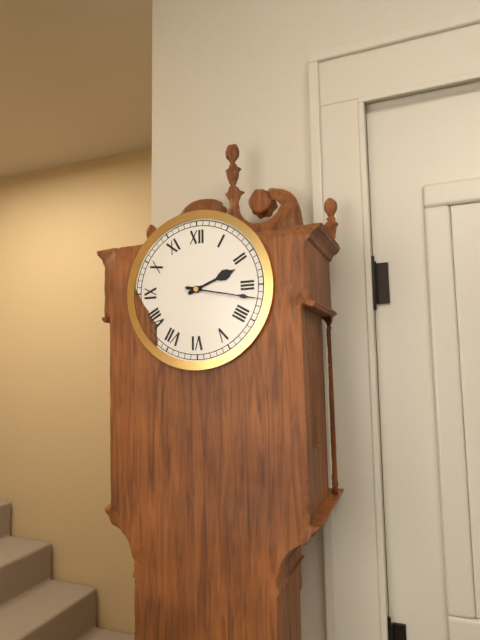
2 h 17 min
